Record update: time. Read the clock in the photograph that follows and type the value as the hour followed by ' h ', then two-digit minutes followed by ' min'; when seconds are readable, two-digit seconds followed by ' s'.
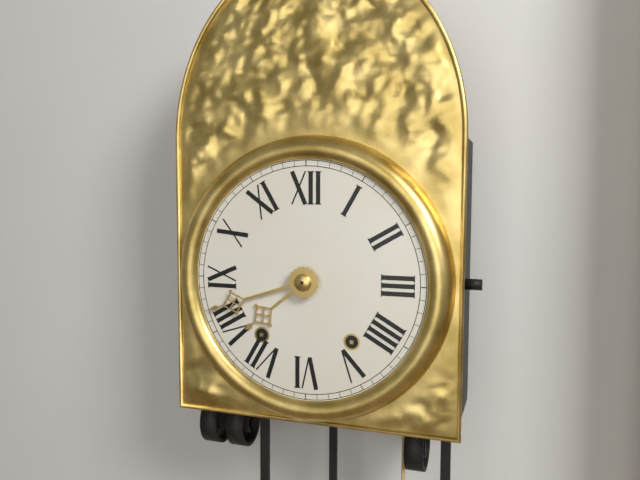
7 h 42 min
